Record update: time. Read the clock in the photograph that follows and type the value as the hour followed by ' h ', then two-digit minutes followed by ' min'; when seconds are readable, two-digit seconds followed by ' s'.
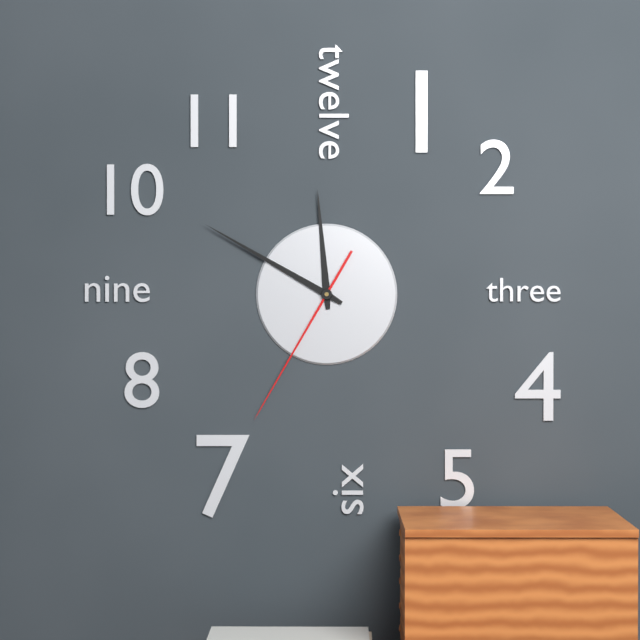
11 h 50 min 35 s
